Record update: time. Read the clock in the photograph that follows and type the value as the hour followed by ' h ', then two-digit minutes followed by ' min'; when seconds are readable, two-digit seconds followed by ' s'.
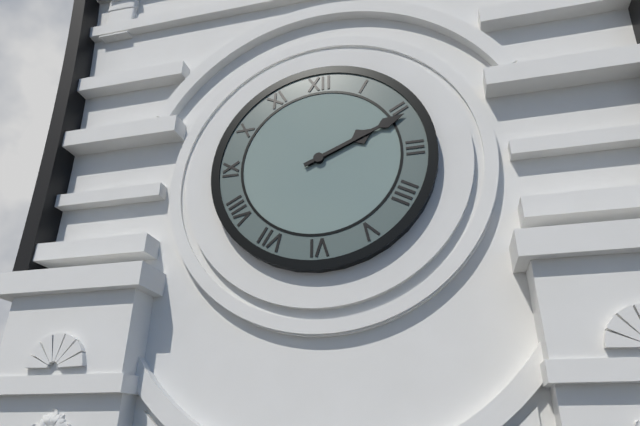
2 h 11 min
